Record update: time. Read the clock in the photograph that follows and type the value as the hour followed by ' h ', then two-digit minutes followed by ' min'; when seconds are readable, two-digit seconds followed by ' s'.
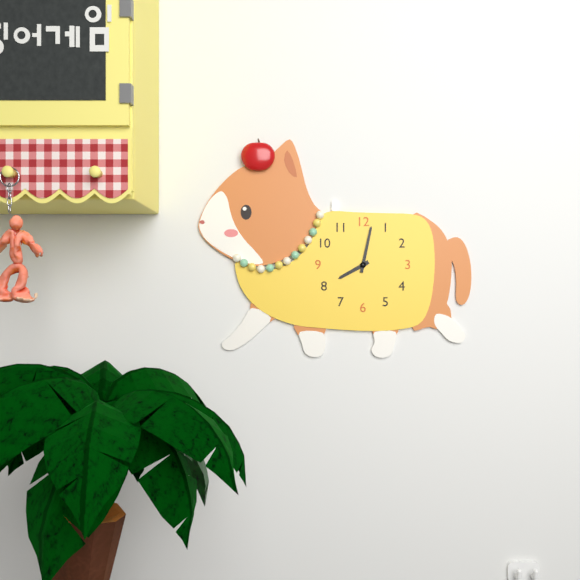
8 h 02 min
